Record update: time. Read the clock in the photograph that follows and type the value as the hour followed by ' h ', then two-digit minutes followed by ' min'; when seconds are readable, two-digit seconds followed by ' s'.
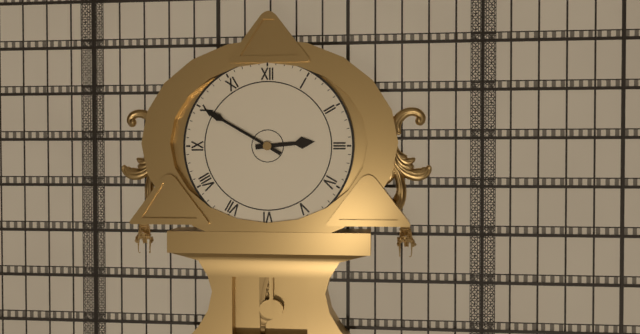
2 h 50 min
